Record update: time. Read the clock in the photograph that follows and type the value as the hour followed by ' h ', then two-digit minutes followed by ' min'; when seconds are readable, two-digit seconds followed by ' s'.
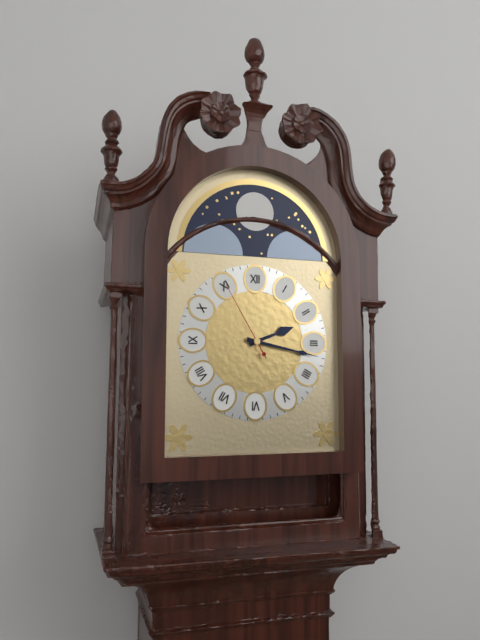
2 h 17 min 55 s
